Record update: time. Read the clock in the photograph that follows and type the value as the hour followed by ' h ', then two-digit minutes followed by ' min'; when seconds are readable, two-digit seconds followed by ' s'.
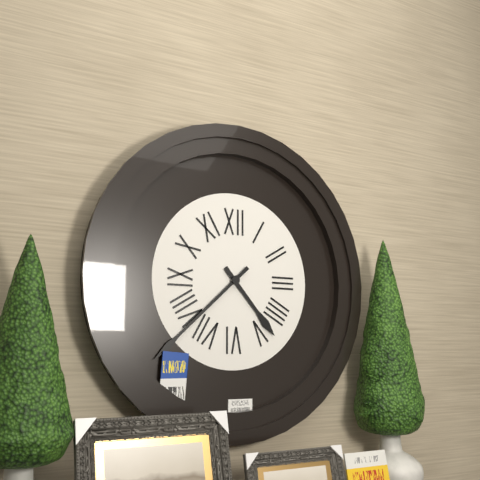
4 h 38 min
